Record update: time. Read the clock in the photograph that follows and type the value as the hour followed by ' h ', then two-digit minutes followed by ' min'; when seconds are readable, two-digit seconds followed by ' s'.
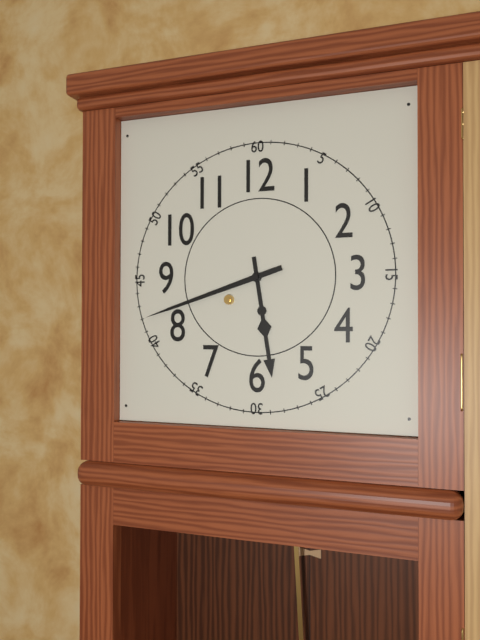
5 h 42 min
